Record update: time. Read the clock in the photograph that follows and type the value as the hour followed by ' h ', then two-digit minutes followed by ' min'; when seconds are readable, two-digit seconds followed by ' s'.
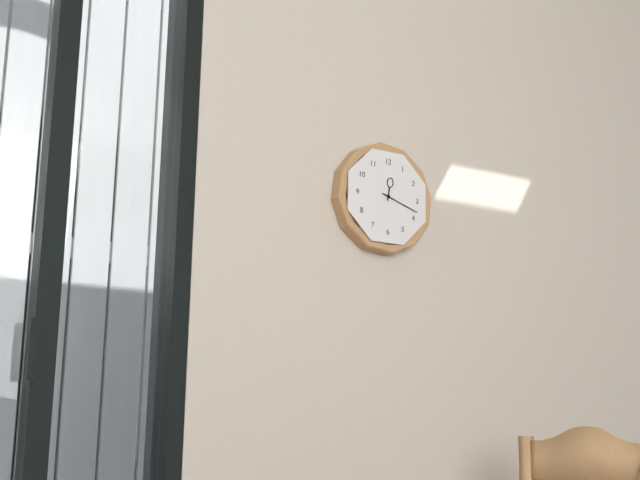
12 h 18 min
